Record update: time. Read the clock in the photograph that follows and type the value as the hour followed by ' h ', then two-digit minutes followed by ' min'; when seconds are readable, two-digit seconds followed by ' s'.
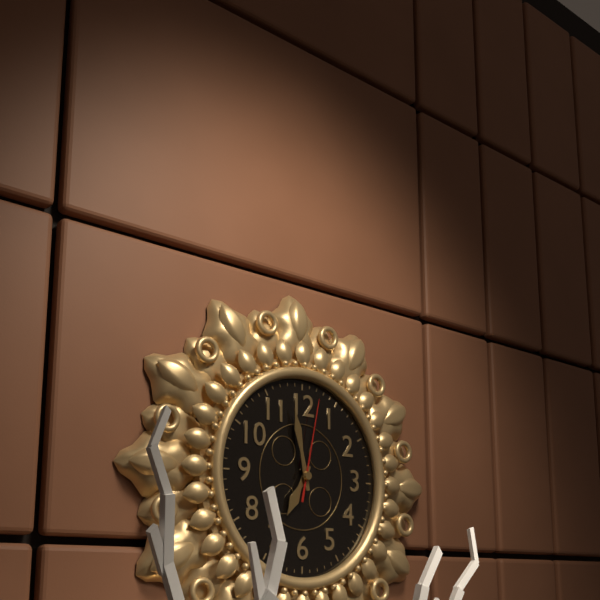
6 h 58 min 02 s
